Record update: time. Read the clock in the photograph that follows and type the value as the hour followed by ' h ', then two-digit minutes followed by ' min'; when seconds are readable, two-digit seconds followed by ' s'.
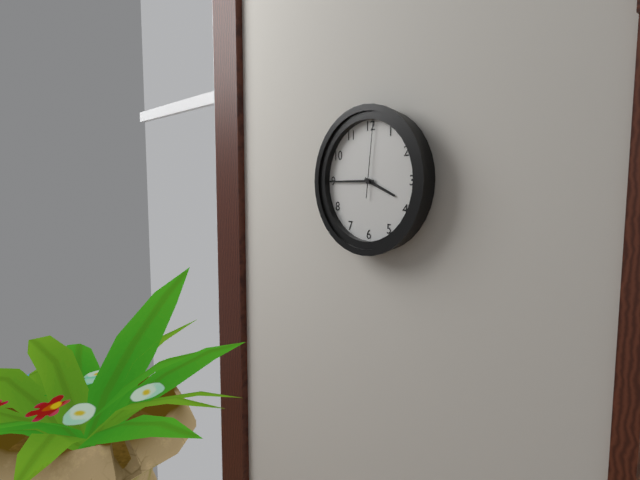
3 h 45 min 01 s
